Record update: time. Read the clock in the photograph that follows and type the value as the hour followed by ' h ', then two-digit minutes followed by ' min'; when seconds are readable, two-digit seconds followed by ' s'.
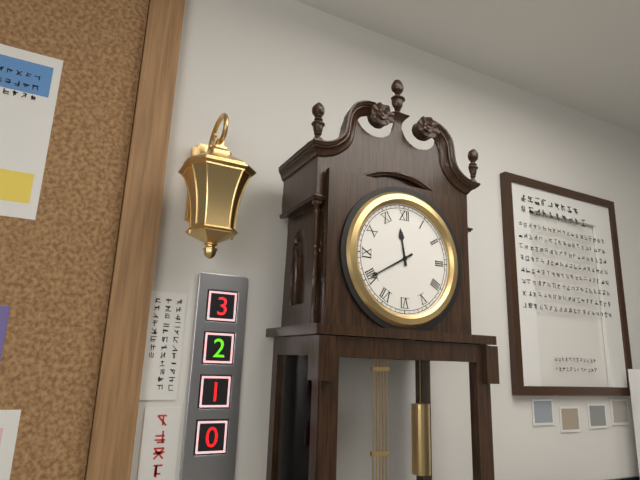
11 h 40 min
